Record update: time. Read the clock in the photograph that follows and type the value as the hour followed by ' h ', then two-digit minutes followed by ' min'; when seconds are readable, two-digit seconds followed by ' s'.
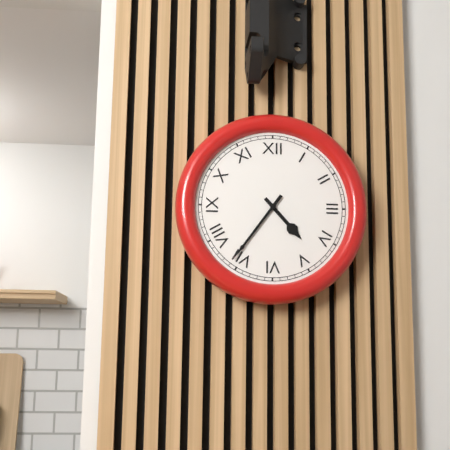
4 h 36 min
